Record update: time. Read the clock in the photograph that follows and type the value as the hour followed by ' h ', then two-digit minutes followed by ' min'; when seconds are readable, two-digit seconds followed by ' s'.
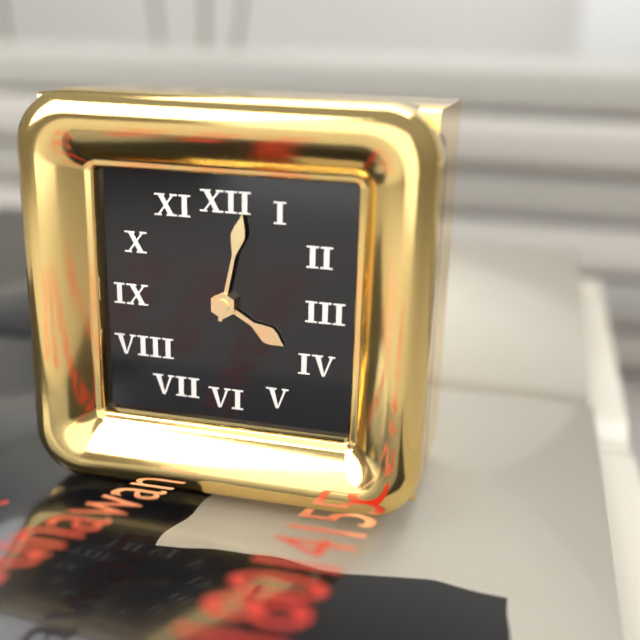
4 h 02 min
